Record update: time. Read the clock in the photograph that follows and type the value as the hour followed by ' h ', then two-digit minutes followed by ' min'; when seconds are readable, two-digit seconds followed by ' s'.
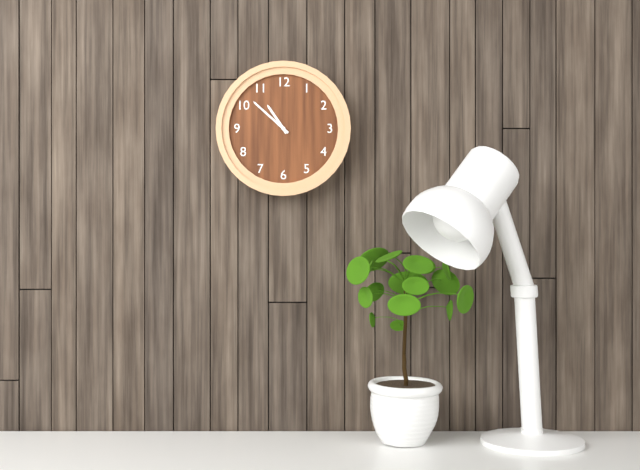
10 h 52 min
